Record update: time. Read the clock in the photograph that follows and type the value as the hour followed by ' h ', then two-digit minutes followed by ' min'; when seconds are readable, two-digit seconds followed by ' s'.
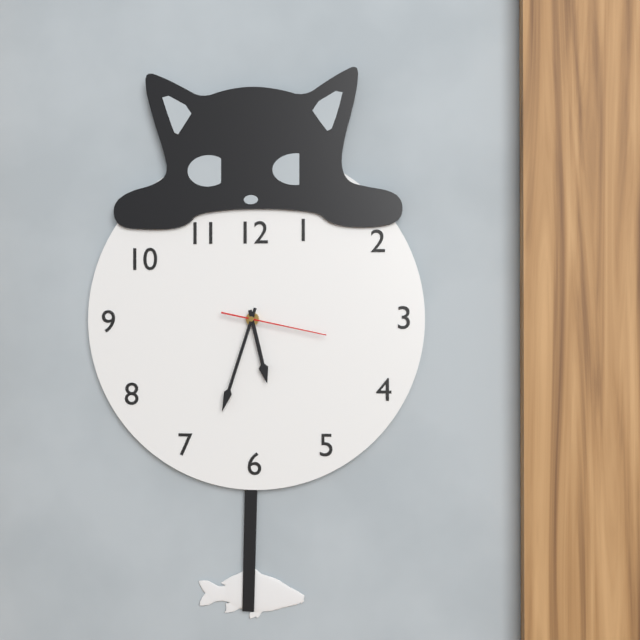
5 h 33 min 17 s
